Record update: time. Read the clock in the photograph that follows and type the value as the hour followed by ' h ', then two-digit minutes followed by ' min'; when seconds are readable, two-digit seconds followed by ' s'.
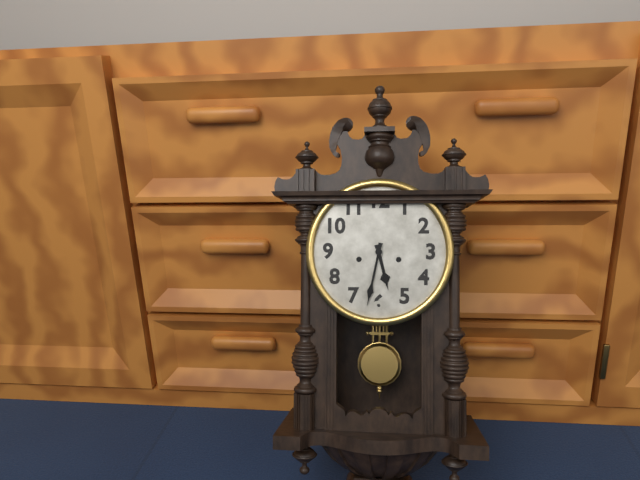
5 h 32 min
